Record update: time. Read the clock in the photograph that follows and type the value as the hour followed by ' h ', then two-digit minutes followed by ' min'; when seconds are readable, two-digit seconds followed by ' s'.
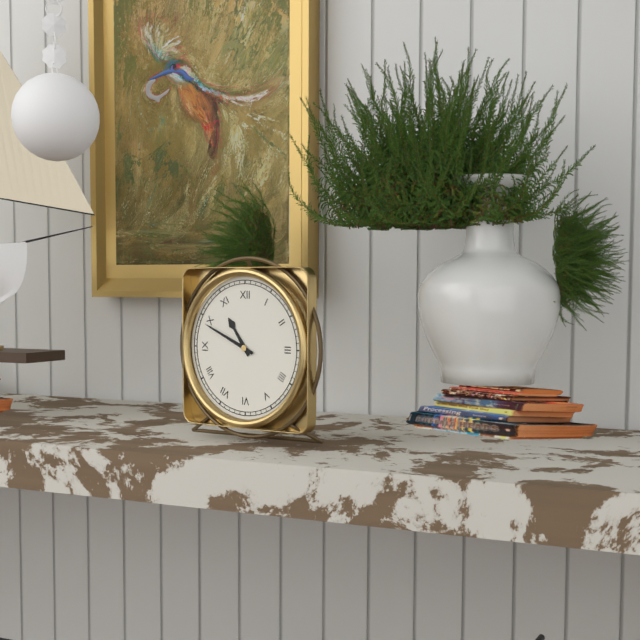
10 h 49 min
